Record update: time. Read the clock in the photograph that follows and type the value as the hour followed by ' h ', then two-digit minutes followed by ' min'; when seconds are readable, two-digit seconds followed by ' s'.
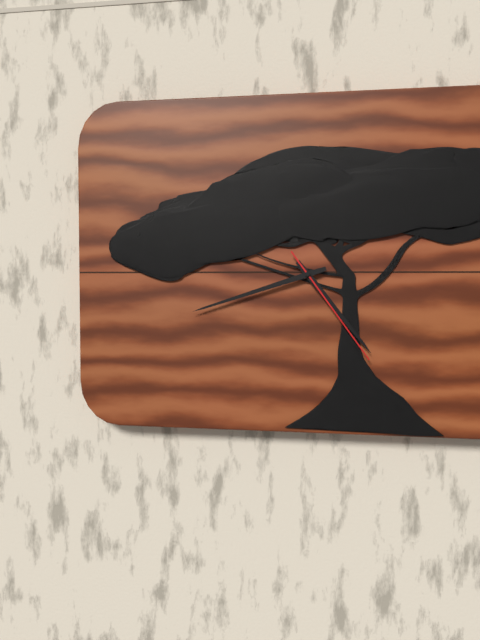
4 h 42 min 24 s
